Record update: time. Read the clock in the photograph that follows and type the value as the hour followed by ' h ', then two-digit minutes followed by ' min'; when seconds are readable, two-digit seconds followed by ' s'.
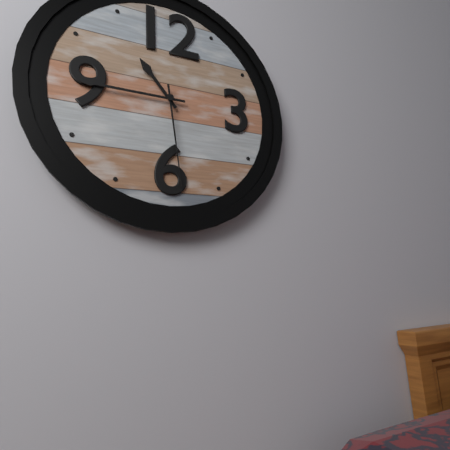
10 h 45 min 29 s
